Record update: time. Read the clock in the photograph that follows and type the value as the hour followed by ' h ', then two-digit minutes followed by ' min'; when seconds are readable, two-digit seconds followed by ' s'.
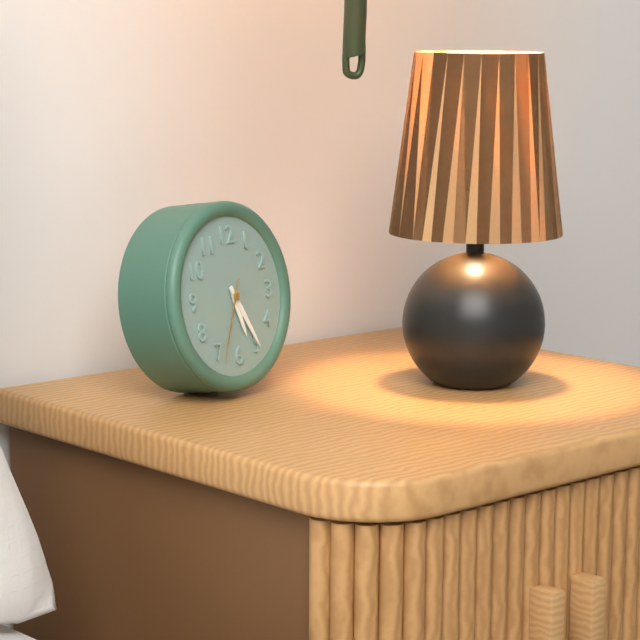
5 h 25 min 34 s
